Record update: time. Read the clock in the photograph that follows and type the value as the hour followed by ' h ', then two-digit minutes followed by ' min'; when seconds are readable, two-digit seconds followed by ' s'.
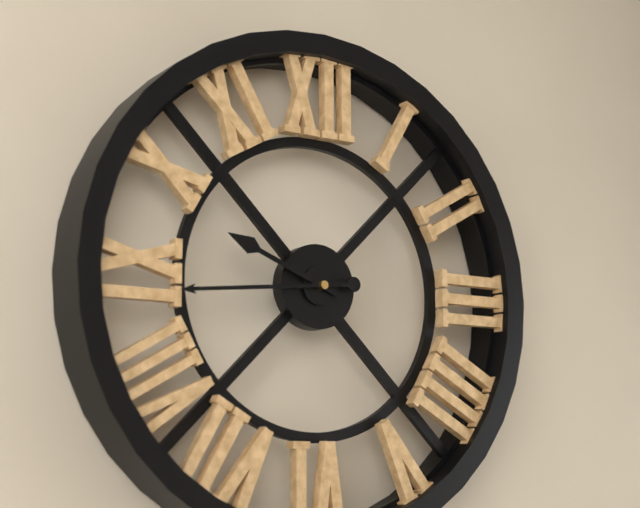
9 h 44 min
